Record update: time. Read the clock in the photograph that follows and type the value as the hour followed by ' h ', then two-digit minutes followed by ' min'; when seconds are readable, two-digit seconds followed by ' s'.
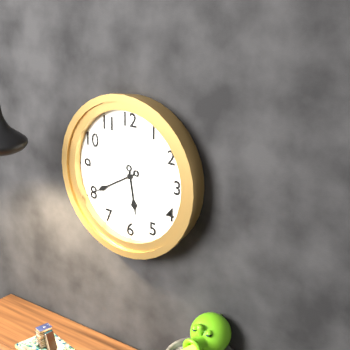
5 h 40 min
